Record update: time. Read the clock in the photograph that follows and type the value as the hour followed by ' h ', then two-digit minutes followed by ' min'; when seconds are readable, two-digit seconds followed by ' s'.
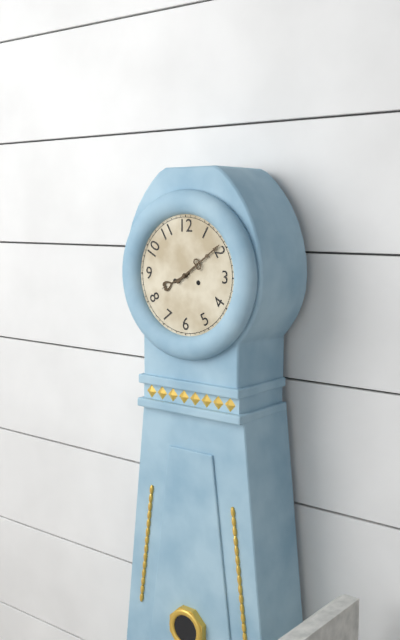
8 h 09 min
